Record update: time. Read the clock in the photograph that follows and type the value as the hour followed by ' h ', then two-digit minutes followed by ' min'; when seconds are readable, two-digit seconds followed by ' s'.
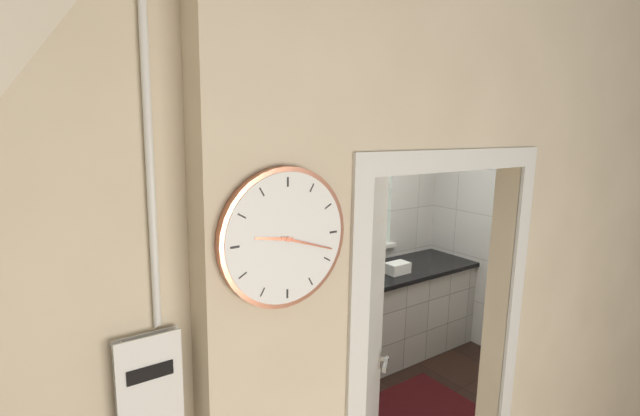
9 h 18 min
